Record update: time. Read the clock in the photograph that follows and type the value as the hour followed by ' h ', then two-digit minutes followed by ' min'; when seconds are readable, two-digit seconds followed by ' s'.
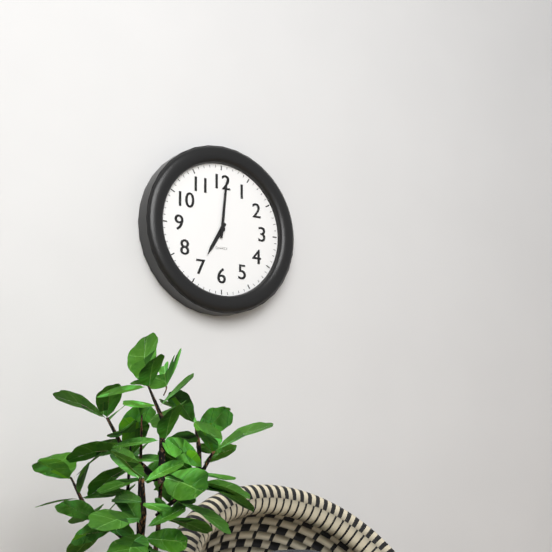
7 h 01 min
